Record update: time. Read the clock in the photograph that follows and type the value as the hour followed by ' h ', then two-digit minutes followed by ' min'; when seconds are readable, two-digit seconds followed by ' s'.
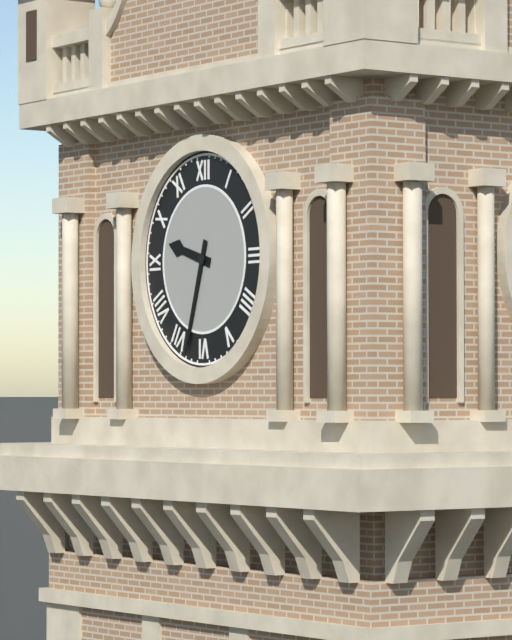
9 h 33 min
